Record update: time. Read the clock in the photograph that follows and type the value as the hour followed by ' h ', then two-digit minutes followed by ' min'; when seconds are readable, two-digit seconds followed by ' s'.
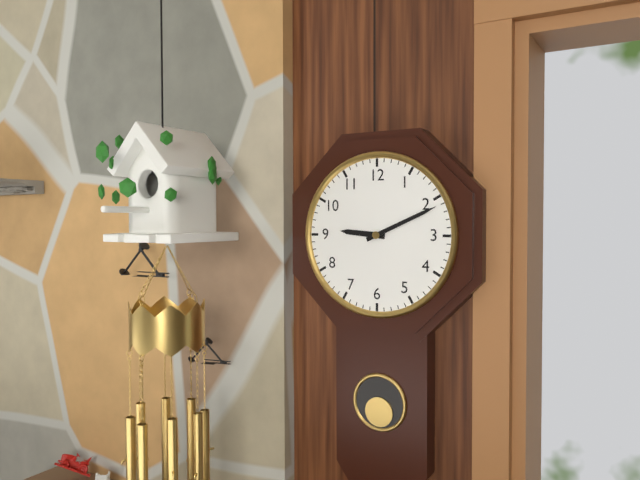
9 h 11 min
